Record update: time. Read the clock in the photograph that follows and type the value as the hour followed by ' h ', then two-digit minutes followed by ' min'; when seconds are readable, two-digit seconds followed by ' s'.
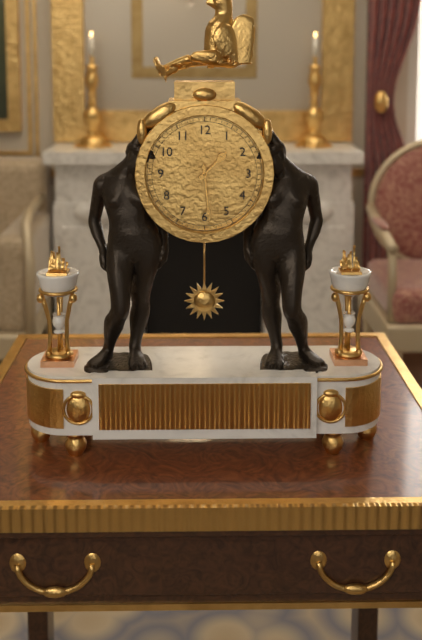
1 h 29 min
